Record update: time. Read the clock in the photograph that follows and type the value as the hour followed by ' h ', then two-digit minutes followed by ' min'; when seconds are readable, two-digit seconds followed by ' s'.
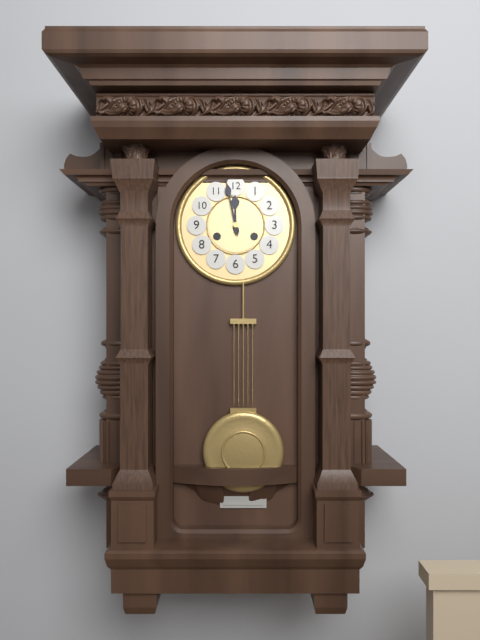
11 h 58 min
